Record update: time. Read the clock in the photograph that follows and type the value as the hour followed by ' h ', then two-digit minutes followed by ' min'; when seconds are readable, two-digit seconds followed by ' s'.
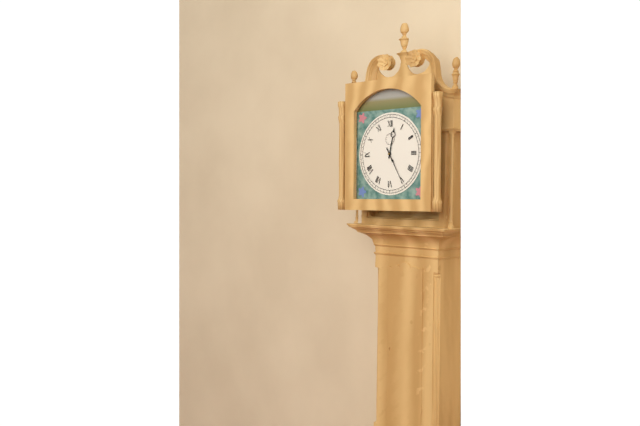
12 h 25 min
